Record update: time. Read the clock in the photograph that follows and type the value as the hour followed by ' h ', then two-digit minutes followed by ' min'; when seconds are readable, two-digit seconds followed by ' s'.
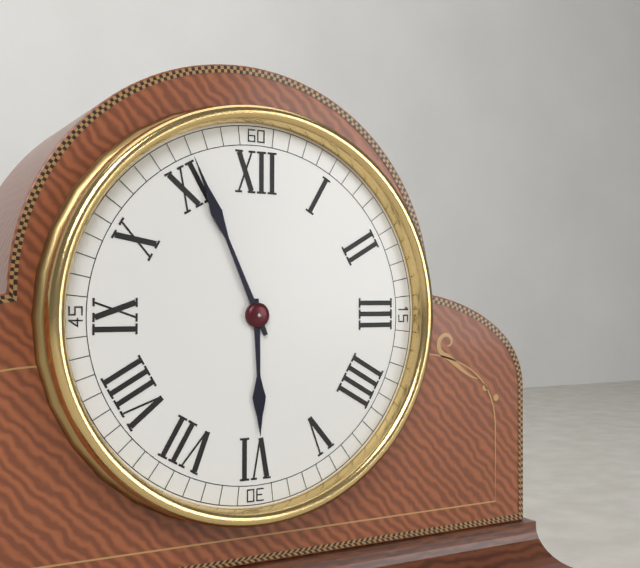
5 h 56 min
